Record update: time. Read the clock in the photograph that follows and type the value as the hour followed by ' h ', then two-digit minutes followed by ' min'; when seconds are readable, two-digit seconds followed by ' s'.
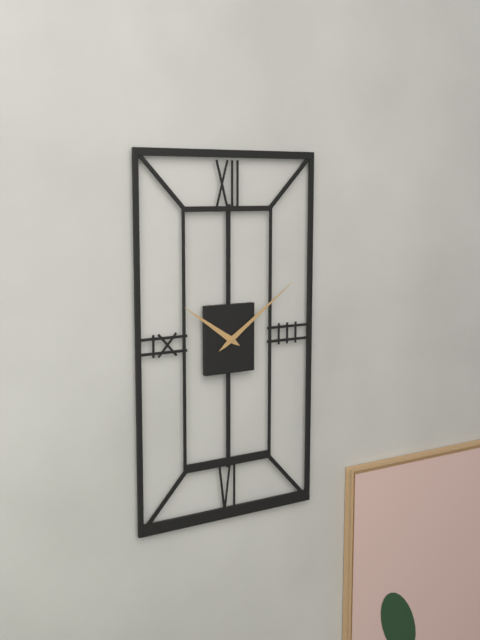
10 h 09 min
